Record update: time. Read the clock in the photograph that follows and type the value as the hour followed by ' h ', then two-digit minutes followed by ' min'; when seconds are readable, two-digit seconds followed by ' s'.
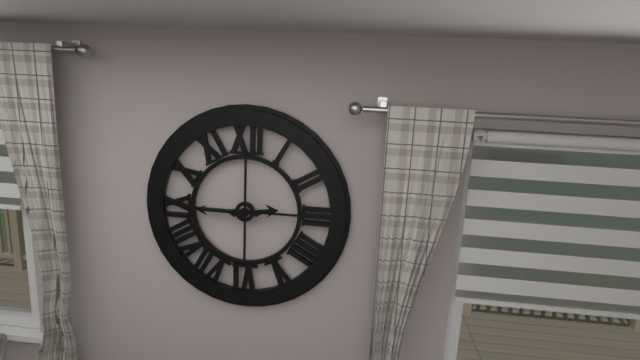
2 h 45 min
